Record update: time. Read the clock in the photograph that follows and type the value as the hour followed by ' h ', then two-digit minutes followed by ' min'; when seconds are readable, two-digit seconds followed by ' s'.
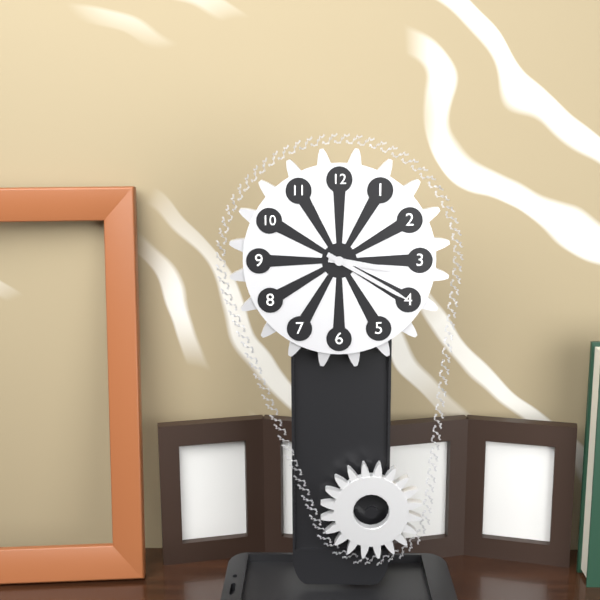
3 h 20 min
